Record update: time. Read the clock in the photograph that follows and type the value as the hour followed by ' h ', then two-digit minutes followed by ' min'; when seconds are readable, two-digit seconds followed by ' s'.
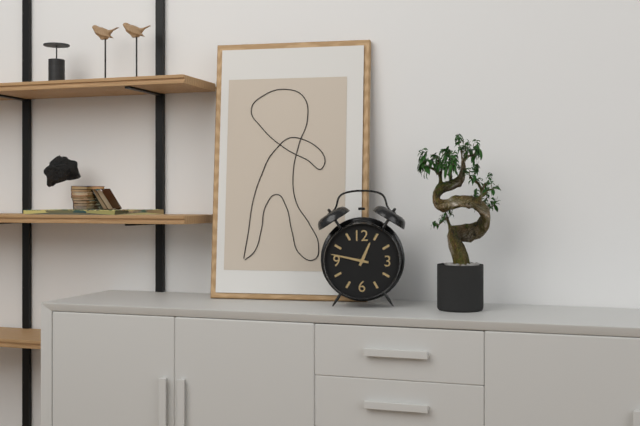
12 h 47 min
